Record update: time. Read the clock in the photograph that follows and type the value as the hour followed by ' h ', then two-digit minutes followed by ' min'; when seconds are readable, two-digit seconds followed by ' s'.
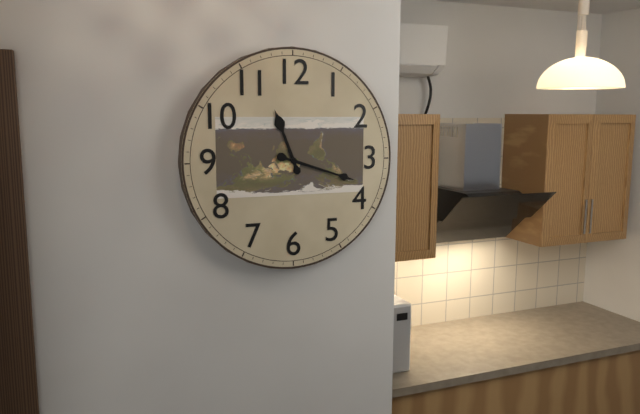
11 h 18 min
